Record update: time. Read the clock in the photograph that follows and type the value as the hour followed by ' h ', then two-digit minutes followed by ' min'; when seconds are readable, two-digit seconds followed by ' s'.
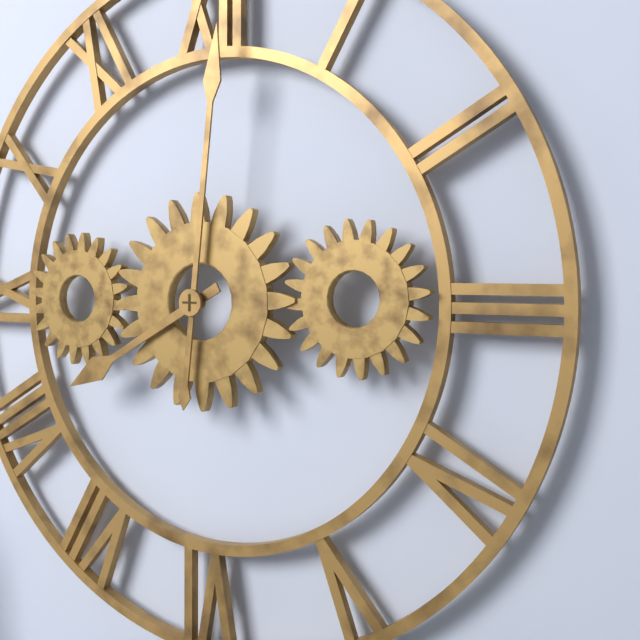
8 h 01 min
